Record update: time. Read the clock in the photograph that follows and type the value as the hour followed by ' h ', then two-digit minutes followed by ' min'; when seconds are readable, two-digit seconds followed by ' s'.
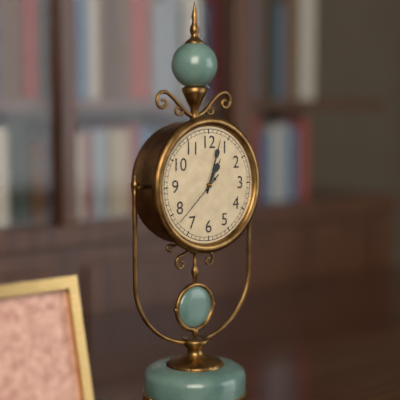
1 h 03 min 38 s
